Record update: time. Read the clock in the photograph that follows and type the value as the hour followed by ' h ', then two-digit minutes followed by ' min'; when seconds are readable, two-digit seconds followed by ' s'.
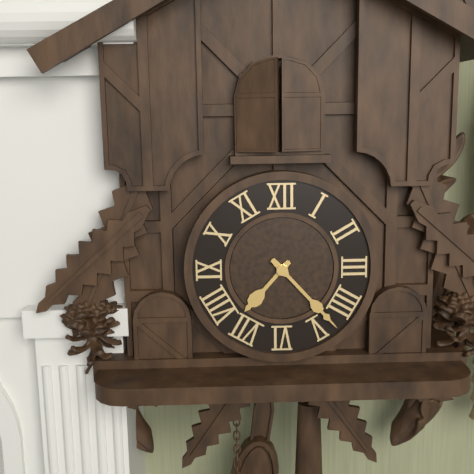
7 h 23 min
